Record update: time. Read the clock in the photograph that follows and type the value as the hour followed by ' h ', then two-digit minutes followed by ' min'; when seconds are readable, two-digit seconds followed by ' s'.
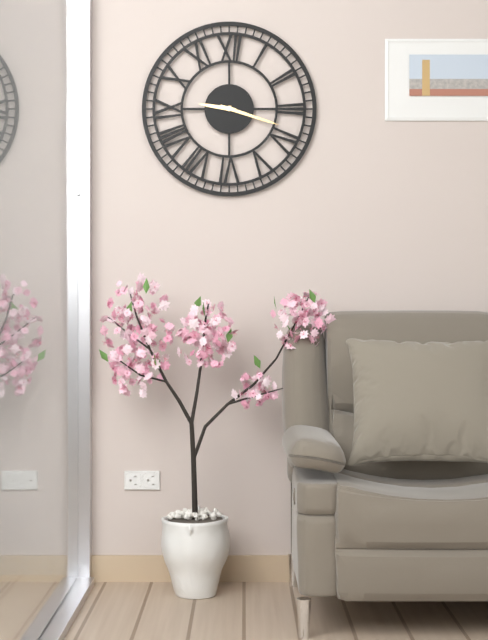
9 h 18 min
